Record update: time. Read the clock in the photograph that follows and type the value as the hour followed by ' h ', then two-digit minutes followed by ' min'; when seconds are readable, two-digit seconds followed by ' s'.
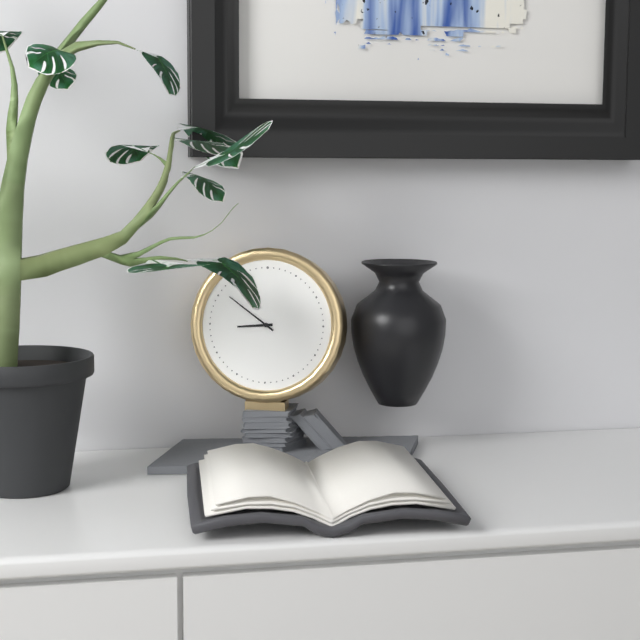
8 h 51 min
